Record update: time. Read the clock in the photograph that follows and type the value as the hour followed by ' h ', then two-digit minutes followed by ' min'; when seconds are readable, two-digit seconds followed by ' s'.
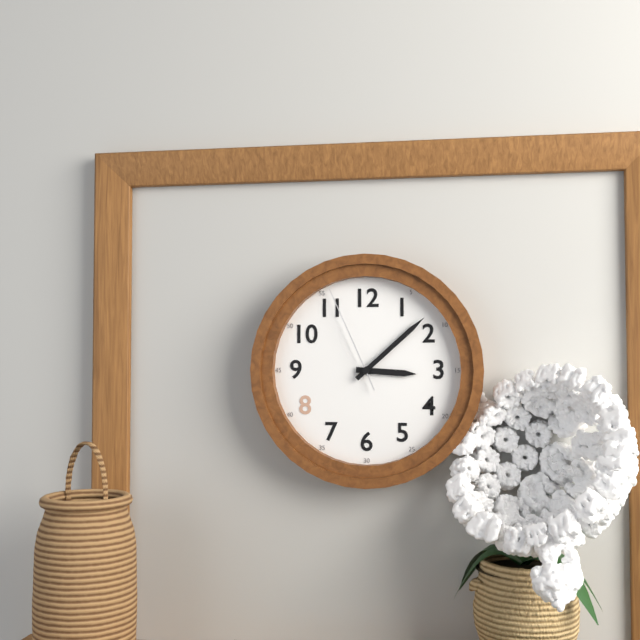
3 h 08 min 56 s
